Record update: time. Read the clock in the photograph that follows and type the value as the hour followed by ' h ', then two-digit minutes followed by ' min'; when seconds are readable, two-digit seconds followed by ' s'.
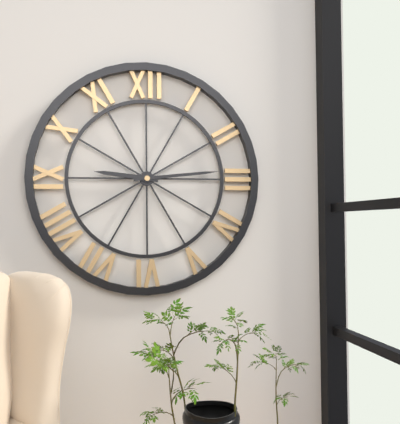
9 h 14 min
